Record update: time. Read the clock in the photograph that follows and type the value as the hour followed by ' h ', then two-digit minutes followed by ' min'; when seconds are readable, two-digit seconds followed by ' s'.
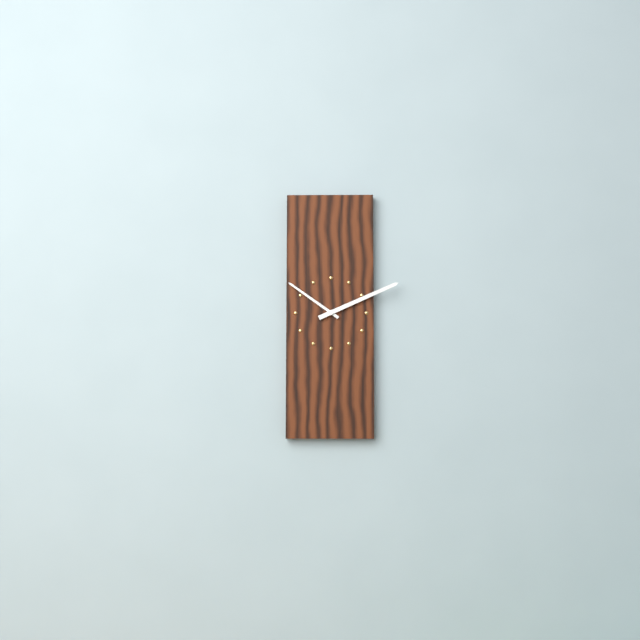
10 h 11 min
